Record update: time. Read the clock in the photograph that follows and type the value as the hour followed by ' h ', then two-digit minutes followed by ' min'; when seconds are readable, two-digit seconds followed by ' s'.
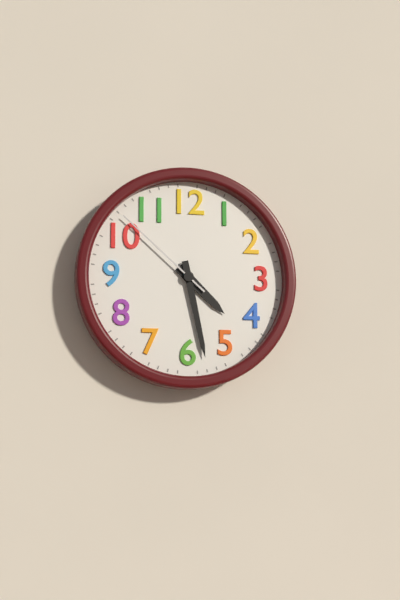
4 h 28 min 52 s
